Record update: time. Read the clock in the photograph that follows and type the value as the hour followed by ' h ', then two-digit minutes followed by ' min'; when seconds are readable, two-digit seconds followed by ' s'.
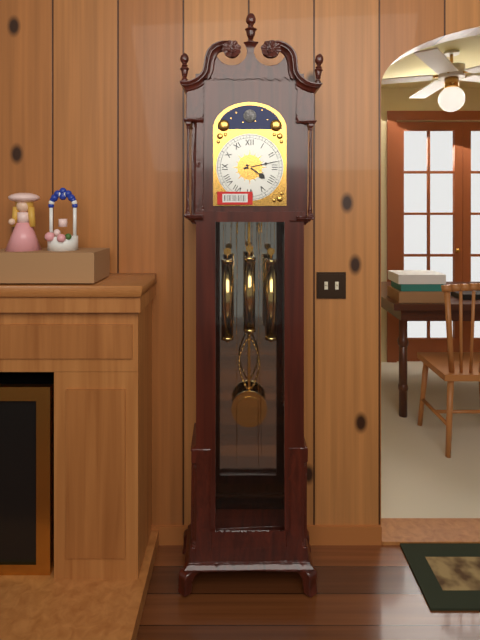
4 h 13 min
